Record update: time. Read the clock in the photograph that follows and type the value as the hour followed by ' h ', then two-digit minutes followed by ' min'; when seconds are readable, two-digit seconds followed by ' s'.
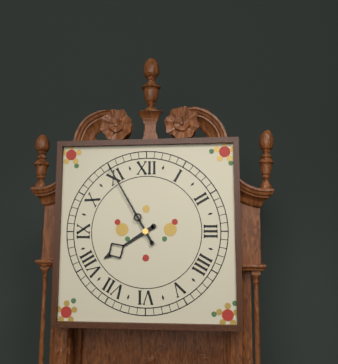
7 h 55 min
